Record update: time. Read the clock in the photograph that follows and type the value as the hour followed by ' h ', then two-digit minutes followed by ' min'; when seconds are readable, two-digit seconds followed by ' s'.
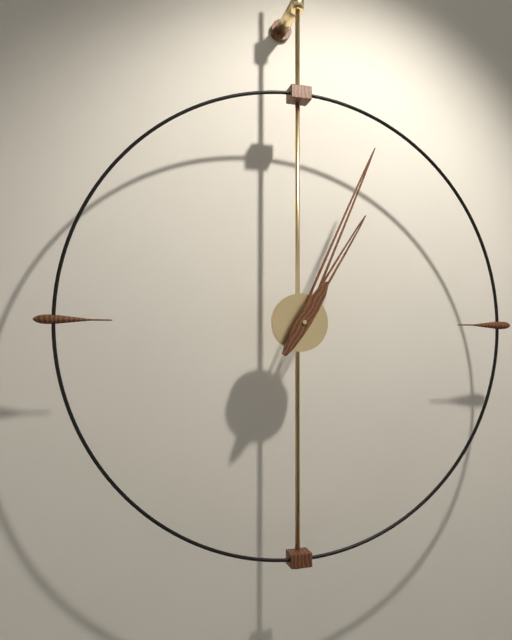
1 h 04 min
